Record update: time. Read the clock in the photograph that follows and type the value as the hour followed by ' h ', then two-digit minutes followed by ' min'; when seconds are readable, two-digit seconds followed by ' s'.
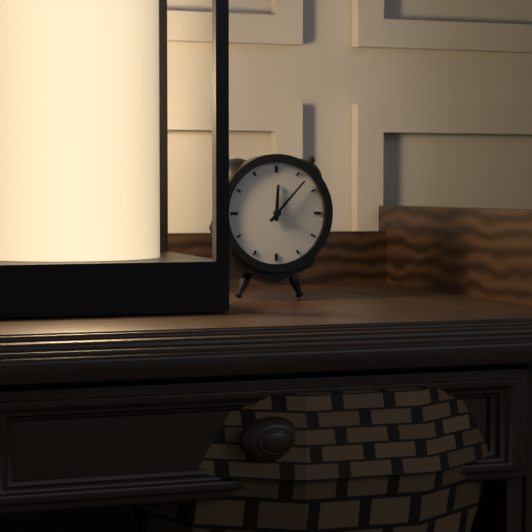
12 h 07 min
